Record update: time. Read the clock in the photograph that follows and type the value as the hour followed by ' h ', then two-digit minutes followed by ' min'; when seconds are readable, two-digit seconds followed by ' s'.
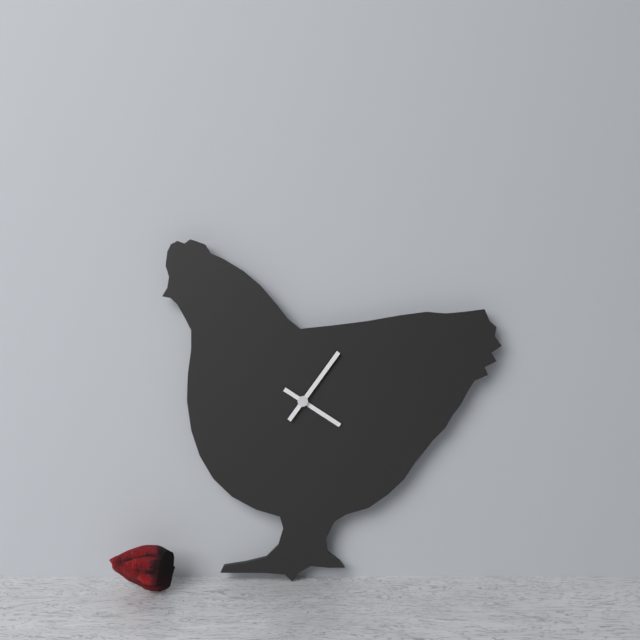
4 h 06 min
